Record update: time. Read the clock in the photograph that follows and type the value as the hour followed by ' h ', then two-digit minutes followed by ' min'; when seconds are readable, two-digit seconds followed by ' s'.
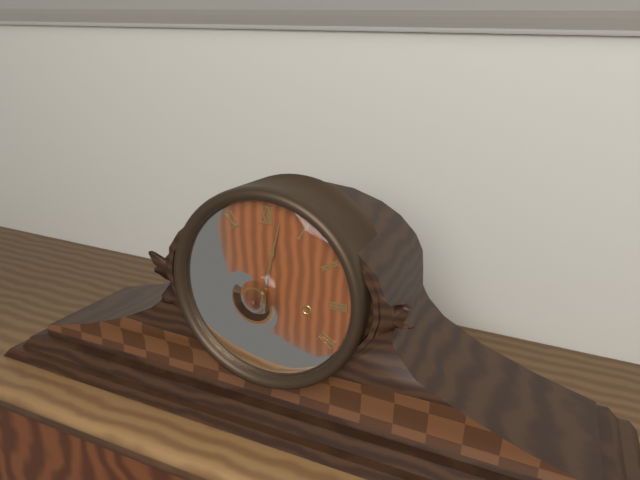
6 h 02 min
